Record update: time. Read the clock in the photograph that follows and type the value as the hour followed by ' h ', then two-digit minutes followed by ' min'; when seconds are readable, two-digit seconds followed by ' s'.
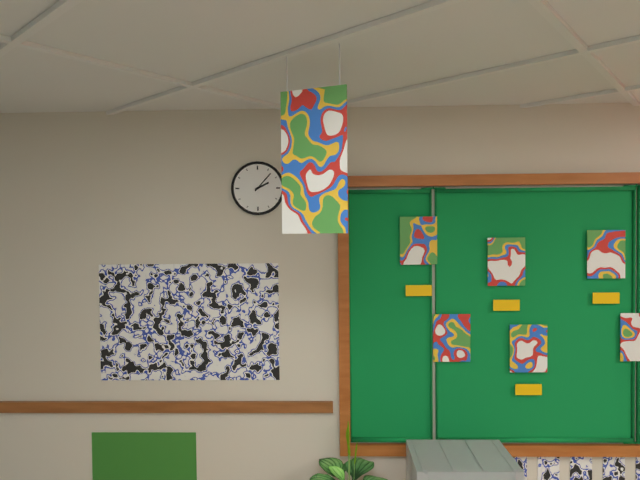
2 h 07 min
